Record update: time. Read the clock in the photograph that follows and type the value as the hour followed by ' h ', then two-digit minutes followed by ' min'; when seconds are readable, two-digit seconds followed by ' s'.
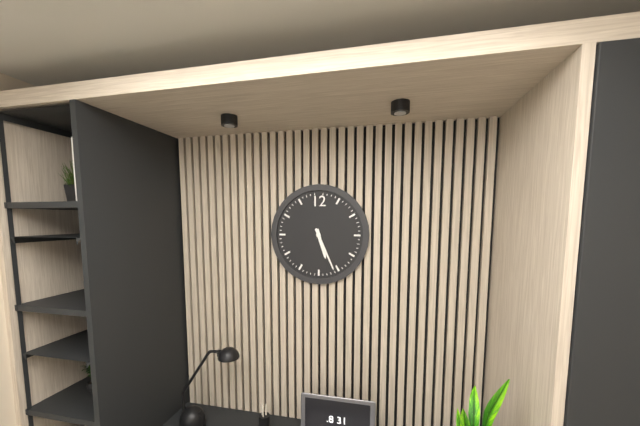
5 h 26 min
